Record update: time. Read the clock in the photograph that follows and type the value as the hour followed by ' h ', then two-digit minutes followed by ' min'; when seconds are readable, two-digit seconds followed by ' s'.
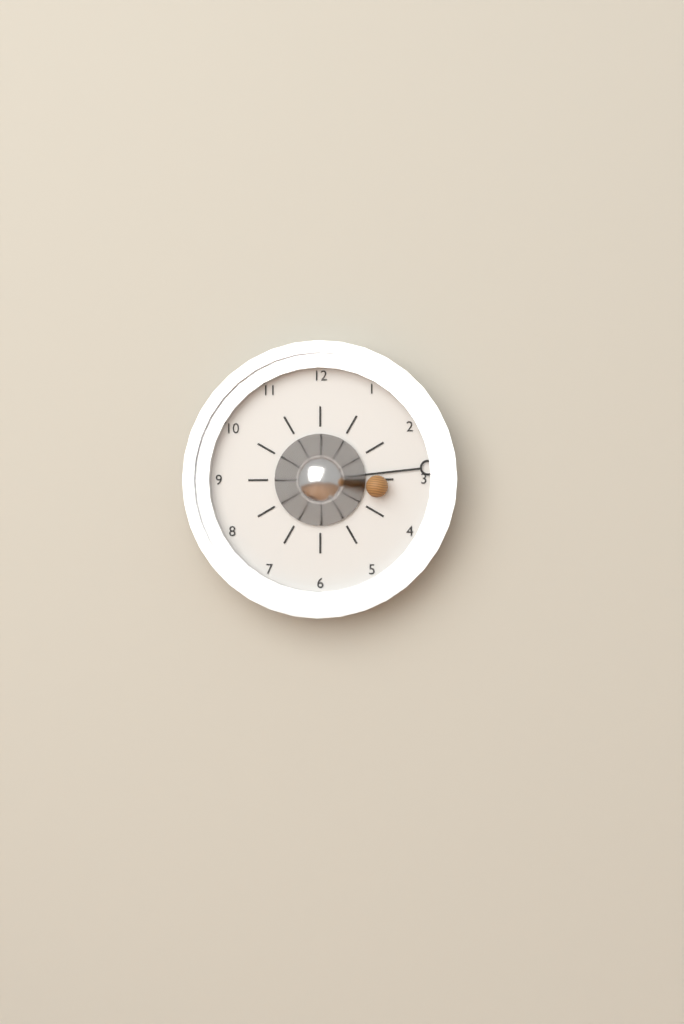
3 h 14 min
